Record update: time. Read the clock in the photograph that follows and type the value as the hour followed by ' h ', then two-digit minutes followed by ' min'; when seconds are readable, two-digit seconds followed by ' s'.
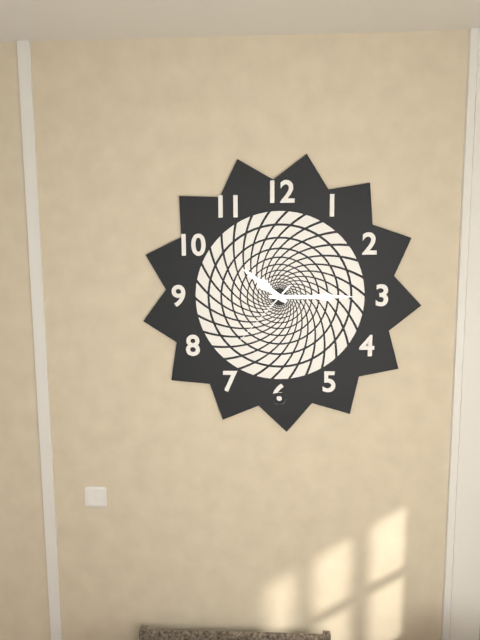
10 h 15 min 37 s
